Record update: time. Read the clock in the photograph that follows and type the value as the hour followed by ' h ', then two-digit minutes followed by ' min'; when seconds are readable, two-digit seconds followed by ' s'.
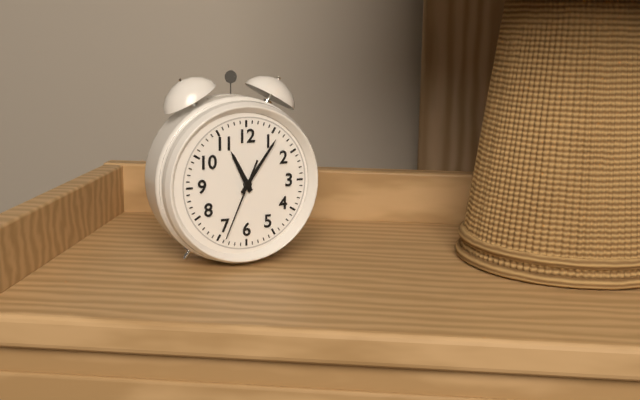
11 h 06 min 34 s
